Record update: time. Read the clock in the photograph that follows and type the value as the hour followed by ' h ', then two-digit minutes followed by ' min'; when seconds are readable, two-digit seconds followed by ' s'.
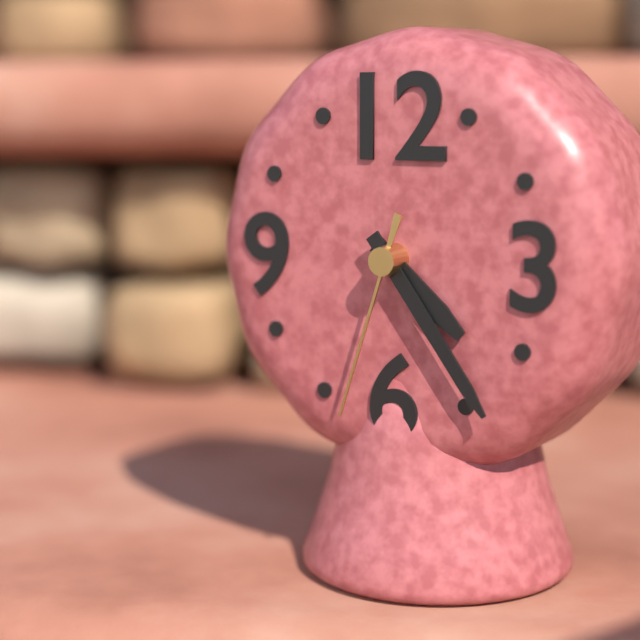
4 h 24 min 33 s
